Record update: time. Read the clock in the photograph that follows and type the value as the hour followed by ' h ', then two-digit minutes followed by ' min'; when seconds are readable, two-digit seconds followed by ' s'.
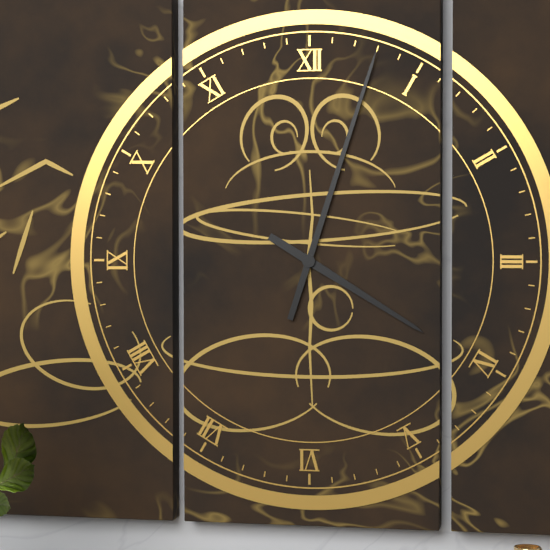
4 h 03 min
